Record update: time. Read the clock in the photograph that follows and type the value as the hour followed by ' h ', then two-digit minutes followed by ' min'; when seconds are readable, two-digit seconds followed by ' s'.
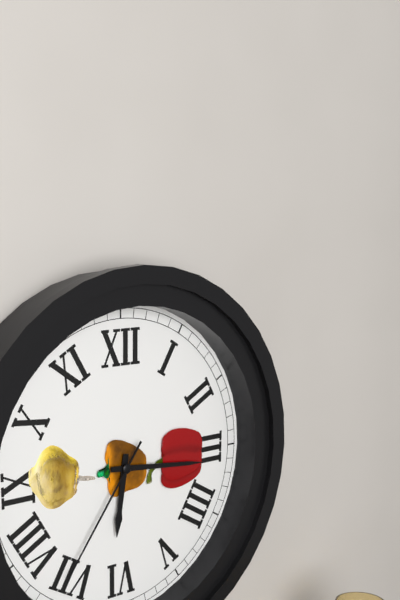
6 h 16 min 36 s
